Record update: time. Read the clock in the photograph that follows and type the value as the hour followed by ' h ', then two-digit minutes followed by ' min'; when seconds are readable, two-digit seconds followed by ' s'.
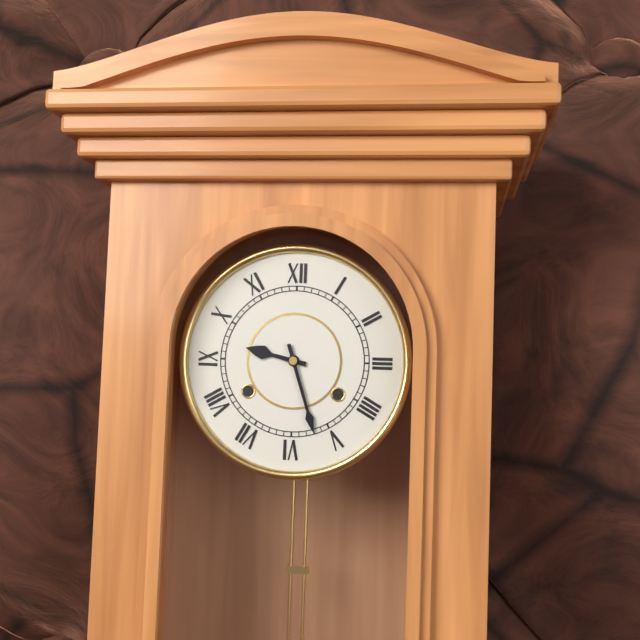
9 h 27 min
